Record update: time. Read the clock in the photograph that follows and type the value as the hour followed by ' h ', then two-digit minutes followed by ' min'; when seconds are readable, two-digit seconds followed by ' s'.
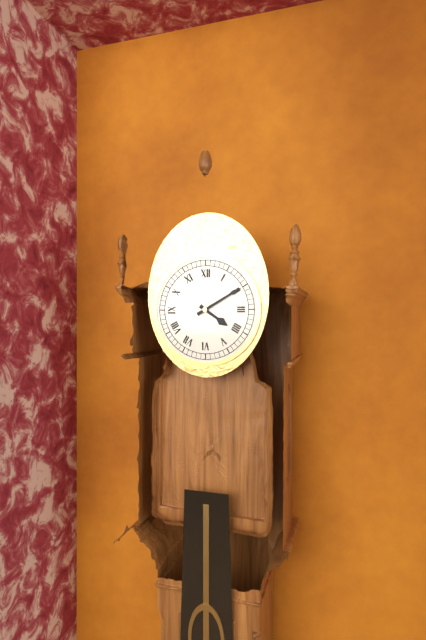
4 h 10 min
